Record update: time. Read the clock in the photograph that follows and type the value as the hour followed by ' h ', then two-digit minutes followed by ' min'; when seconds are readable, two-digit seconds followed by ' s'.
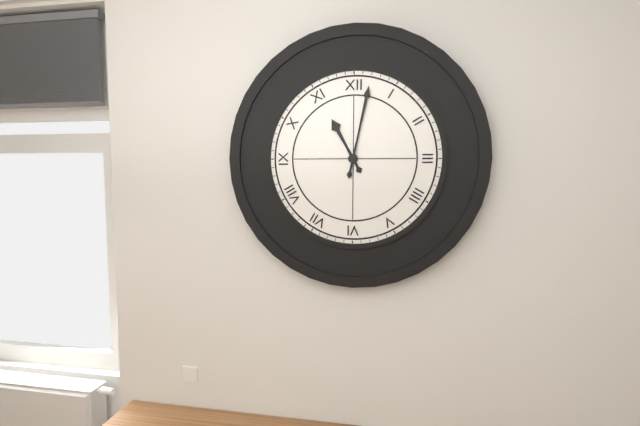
11 h 02 min
